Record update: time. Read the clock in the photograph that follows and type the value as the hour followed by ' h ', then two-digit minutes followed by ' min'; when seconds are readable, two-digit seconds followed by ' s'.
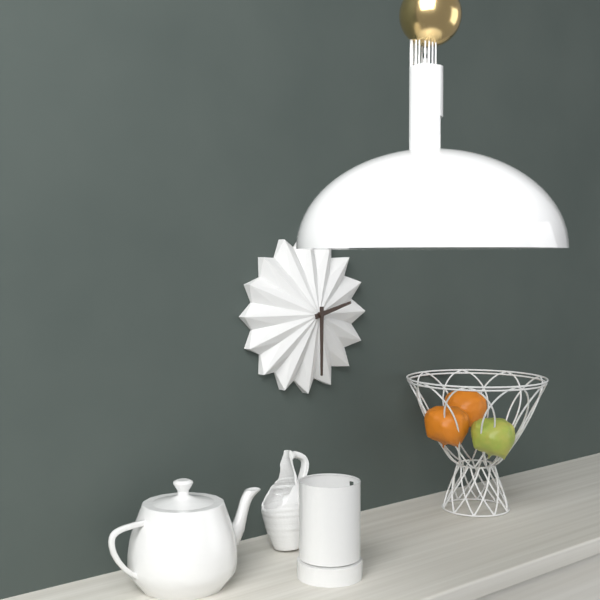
2 h 30 min
